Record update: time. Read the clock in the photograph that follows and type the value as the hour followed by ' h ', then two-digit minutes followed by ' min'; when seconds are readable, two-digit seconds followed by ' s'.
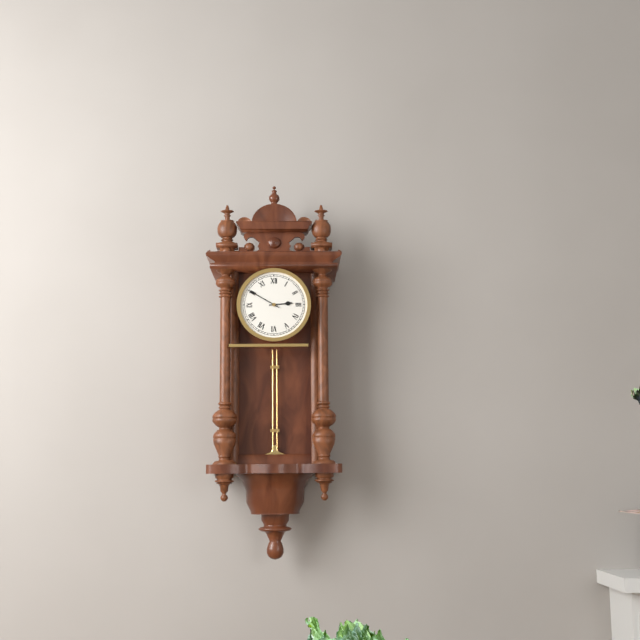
2 h 50 min
